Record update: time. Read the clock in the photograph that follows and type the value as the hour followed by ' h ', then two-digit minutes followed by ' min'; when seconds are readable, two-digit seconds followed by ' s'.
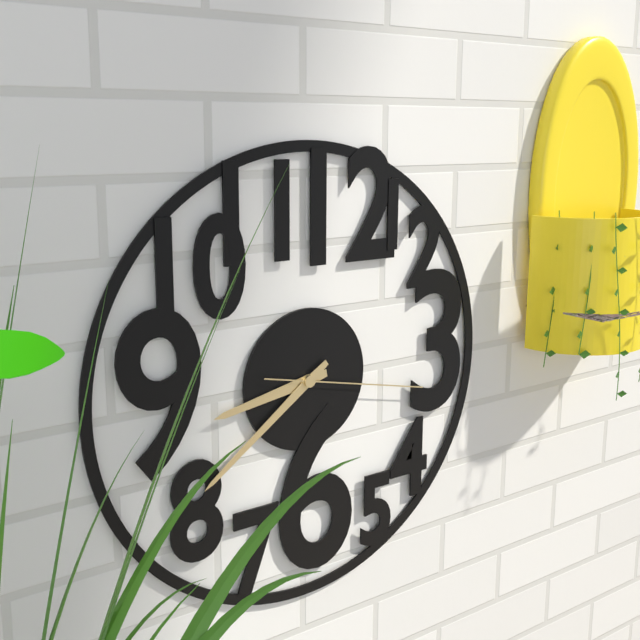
8 h 39 min 17 s
